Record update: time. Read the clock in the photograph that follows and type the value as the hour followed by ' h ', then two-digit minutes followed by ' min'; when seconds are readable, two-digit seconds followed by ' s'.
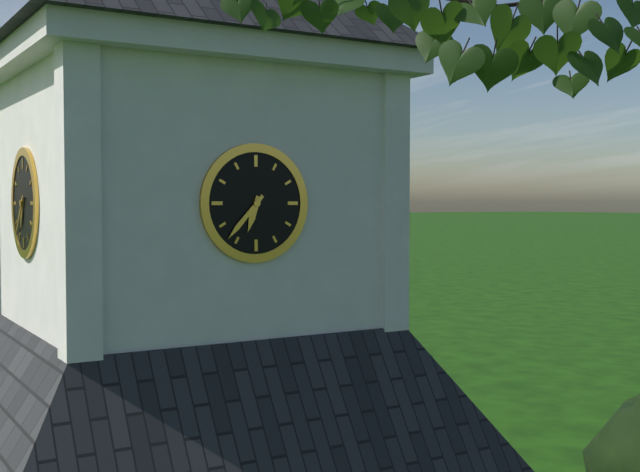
6 h 37 min
